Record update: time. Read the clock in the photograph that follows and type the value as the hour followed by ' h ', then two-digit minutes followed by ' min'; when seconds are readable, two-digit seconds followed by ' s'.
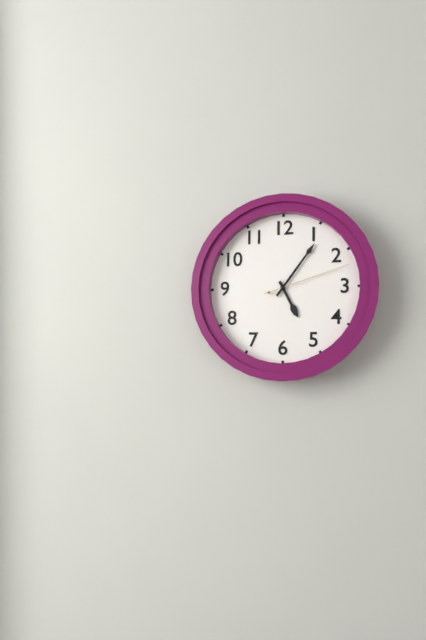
5 h 06 min 12 s
